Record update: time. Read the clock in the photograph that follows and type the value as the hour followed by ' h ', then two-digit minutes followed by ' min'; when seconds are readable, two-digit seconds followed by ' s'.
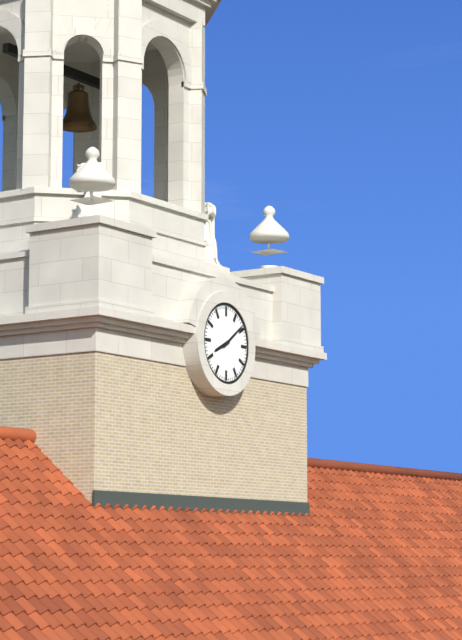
8 h 09 min
